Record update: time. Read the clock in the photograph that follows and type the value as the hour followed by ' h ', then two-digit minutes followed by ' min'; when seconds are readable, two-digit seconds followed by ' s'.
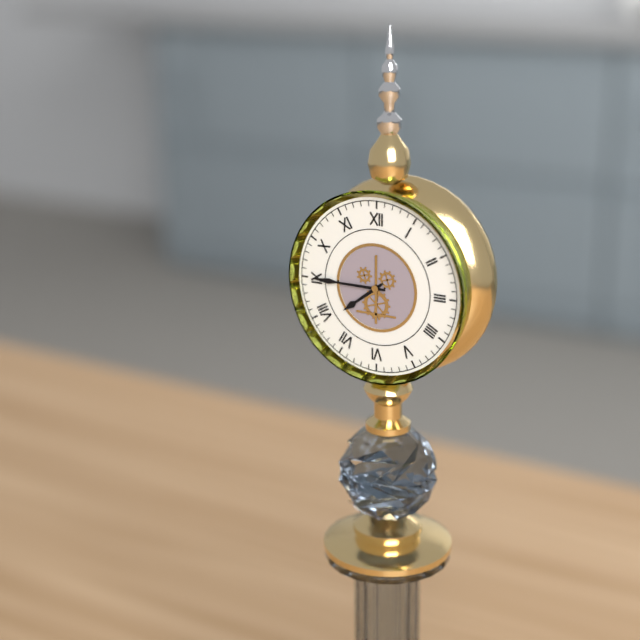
7 h 45 min
